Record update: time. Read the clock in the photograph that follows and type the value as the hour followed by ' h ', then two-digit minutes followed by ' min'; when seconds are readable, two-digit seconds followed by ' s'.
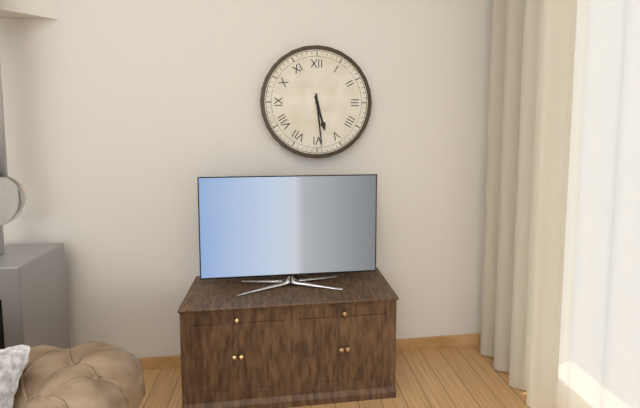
5 h 29 min
